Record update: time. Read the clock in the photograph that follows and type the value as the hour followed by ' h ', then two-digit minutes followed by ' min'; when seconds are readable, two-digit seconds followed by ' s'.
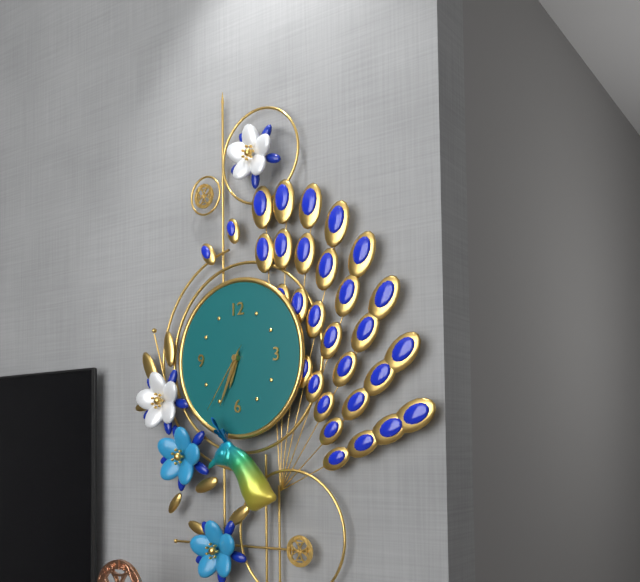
6 h 34 min 36 s
